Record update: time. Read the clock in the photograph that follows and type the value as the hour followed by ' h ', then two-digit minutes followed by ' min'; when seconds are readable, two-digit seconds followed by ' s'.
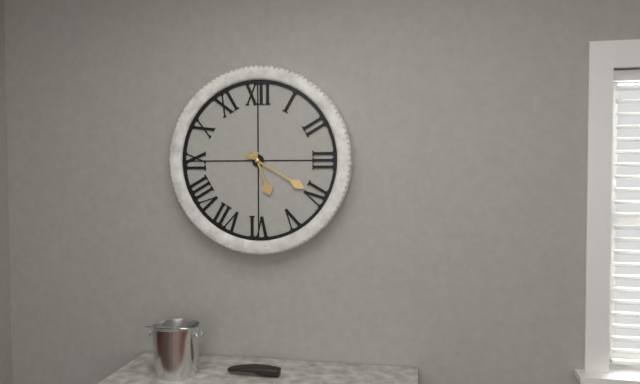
5 h 20 min
